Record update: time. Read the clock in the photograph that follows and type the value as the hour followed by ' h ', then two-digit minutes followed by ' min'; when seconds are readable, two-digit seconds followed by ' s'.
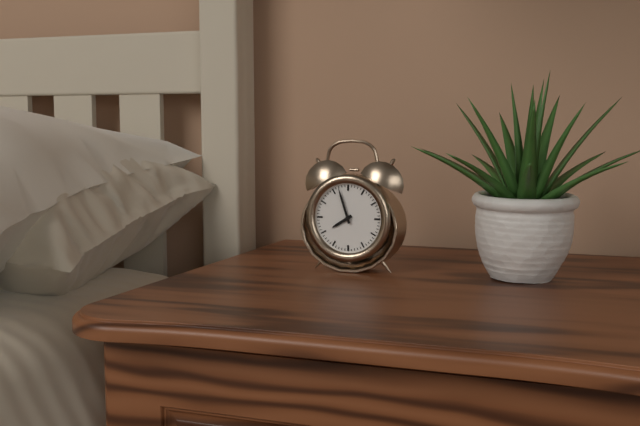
7 h 57 min
